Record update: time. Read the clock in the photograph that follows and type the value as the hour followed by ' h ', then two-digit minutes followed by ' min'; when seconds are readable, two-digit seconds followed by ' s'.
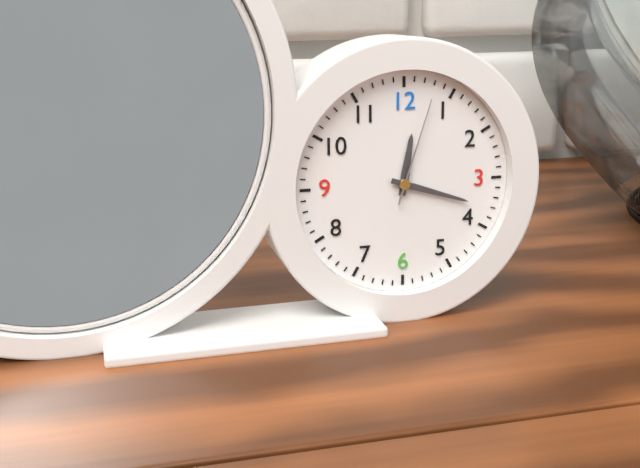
12 h 18 min 03 s
